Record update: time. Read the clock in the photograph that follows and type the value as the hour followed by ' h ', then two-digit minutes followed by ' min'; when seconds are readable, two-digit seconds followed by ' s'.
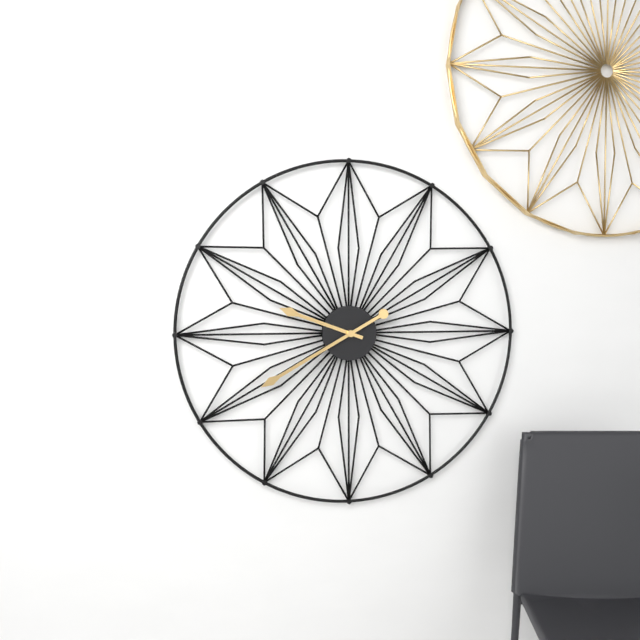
9 h 40 min
